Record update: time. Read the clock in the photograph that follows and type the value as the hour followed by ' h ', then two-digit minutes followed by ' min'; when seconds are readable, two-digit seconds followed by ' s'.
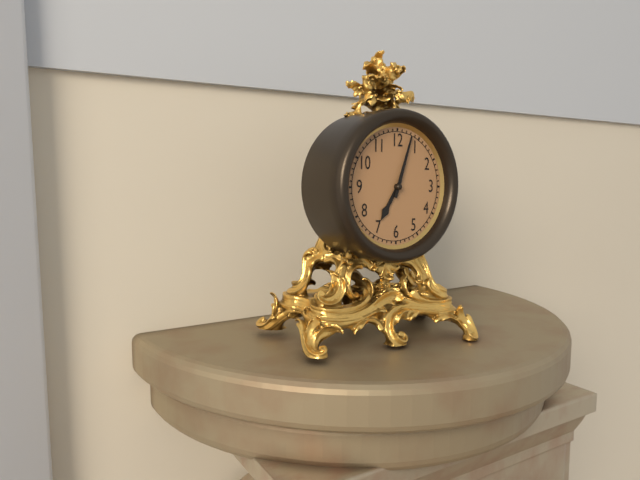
7 h 03 min
